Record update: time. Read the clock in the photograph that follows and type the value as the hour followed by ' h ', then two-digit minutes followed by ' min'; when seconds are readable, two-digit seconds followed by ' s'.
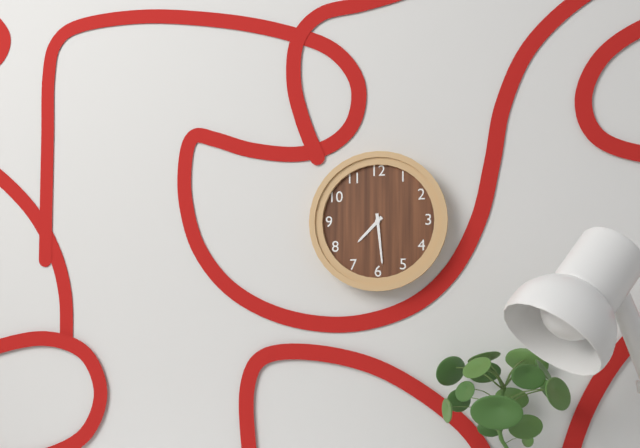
7 h 29 min
